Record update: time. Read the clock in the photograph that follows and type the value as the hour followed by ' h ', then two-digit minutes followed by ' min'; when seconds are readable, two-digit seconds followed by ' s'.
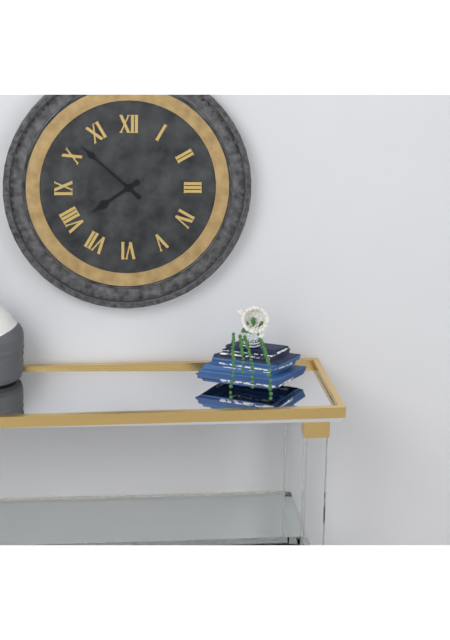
7 h 52 min
